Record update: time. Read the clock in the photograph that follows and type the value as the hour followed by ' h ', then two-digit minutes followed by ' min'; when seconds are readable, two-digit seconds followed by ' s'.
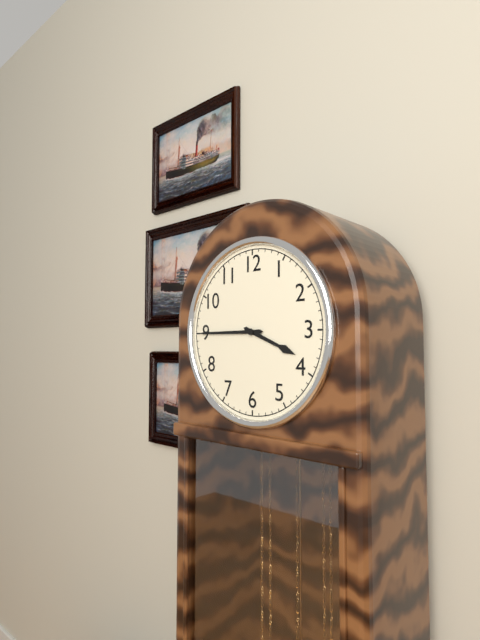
3 h 45 min
